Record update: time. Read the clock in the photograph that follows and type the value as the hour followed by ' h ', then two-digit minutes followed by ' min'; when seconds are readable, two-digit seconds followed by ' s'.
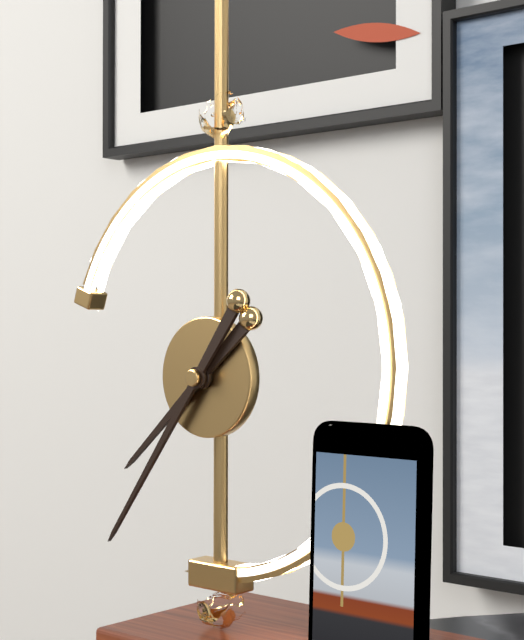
7 h 36 min
